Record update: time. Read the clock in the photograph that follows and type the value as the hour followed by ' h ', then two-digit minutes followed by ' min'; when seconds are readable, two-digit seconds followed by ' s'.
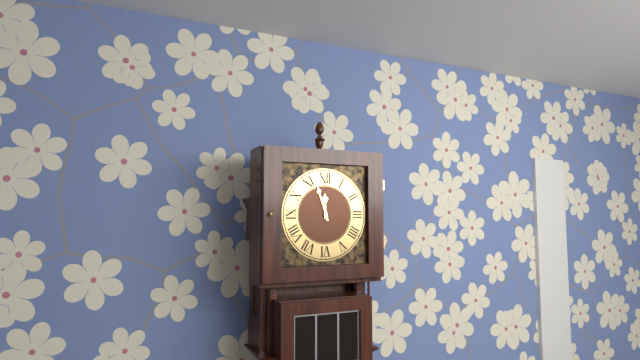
11 h 57 min
